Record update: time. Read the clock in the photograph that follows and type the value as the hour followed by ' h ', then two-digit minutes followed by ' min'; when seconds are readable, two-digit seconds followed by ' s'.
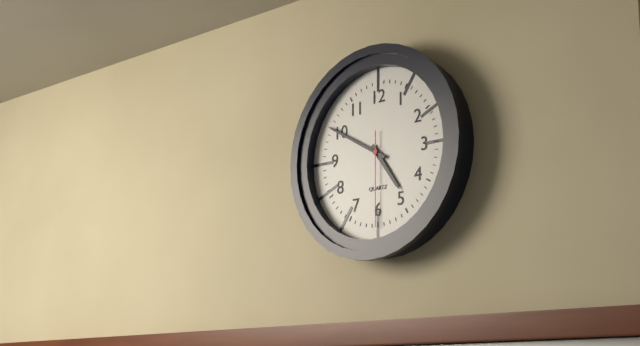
4 h 50 min 30 s
